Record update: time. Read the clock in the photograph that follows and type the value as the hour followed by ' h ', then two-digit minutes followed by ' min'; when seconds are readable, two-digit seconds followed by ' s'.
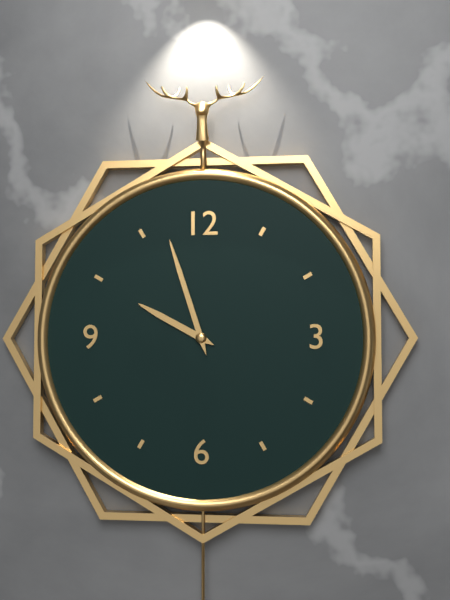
9 h 57 min
